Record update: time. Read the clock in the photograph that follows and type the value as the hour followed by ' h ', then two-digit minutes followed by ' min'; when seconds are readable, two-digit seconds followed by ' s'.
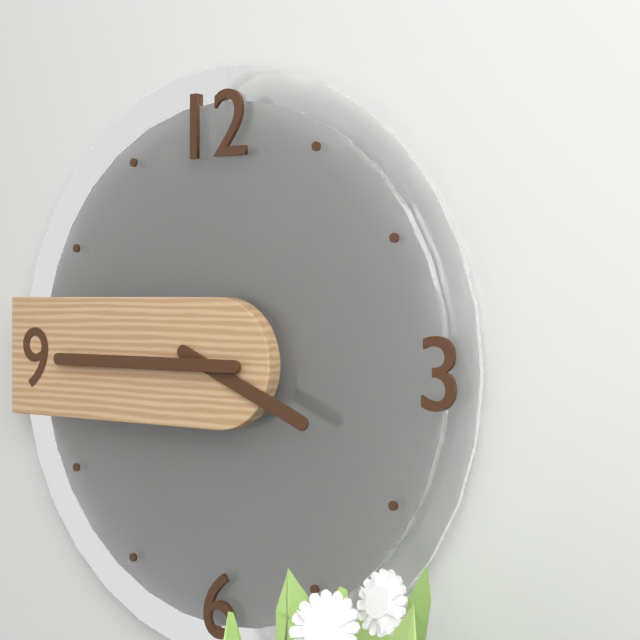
3 h 45 min
